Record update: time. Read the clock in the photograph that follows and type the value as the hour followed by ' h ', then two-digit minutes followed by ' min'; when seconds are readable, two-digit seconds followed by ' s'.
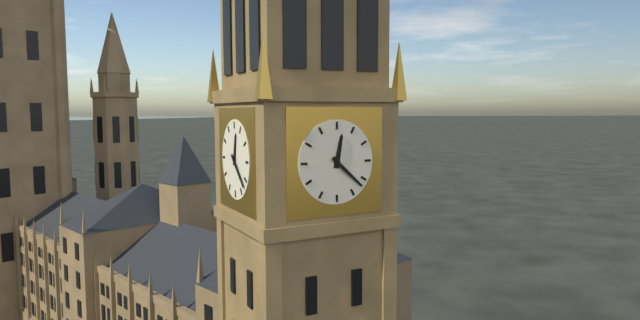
12 h 22 min
